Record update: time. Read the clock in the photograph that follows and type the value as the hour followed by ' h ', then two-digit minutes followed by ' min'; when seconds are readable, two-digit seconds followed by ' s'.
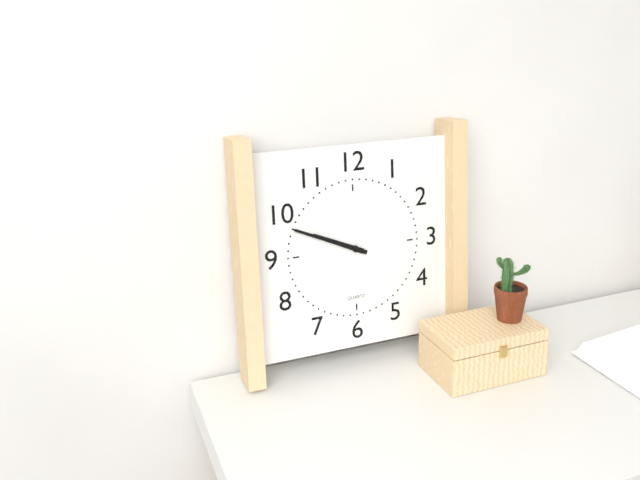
9 h 49 min
